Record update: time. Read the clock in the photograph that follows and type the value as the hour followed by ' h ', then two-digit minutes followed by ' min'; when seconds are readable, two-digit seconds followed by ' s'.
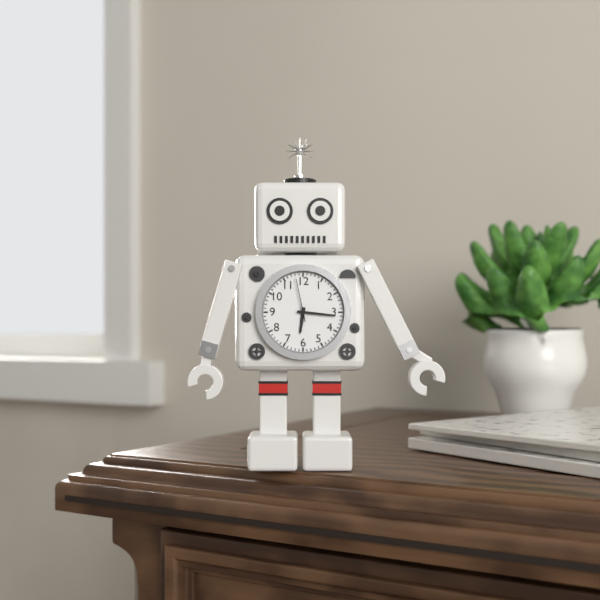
6 h 16 min
